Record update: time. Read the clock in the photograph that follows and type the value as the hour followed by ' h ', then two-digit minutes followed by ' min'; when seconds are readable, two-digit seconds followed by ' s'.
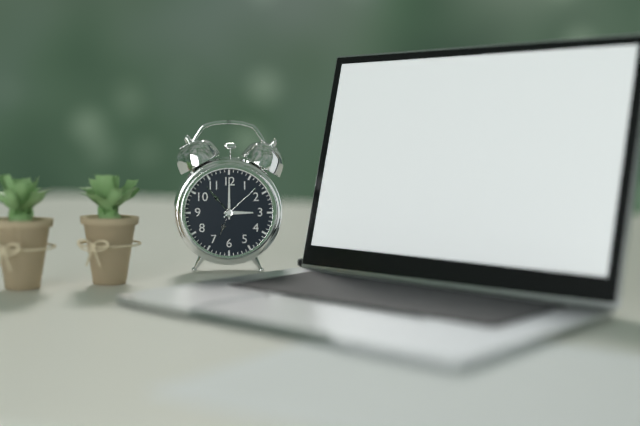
3 h 00 min
